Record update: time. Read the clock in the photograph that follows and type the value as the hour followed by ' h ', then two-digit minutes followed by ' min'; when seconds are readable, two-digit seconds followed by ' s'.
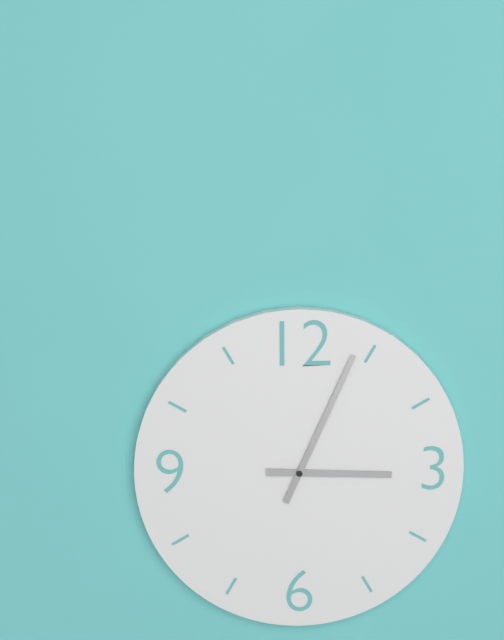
3 h 04 min
